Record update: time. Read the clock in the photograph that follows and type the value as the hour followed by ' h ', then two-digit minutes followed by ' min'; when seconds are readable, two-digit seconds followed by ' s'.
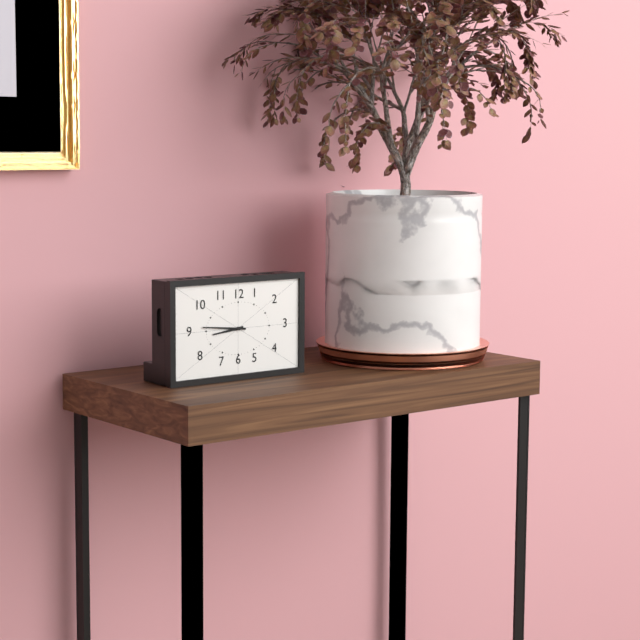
8 h 46 min
